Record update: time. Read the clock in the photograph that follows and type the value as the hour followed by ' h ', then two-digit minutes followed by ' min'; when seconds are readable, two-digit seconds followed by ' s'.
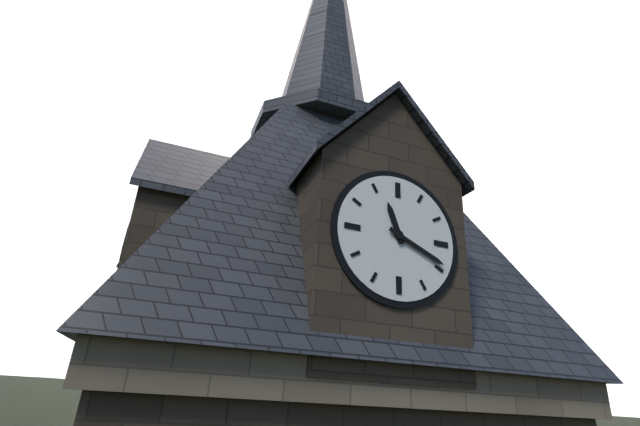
11 h 19 min
